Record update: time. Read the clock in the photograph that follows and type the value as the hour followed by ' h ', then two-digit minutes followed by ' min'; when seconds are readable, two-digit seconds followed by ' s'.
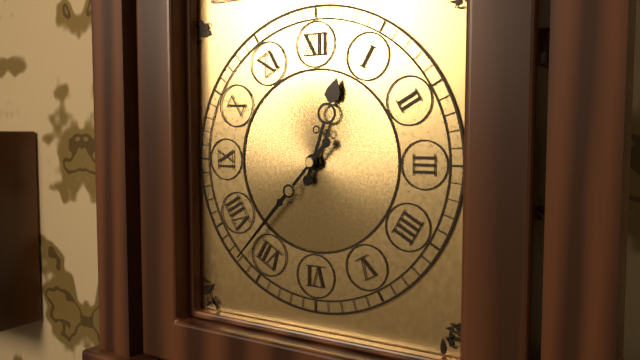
12 h 37 min
